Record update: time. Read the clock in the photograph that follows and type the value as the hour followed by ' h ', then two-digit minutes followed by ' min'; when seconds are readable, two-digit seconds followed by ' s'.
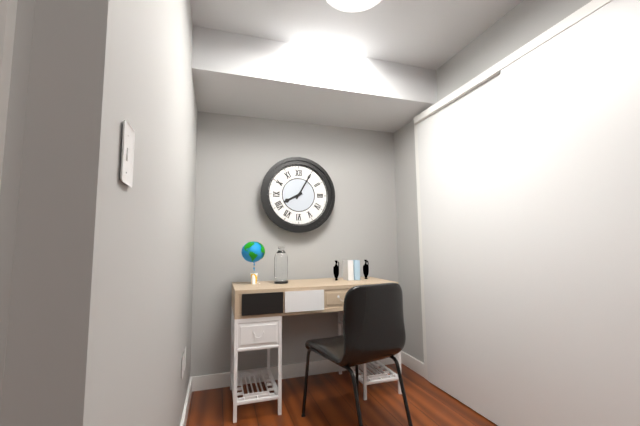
8 h 05 min
